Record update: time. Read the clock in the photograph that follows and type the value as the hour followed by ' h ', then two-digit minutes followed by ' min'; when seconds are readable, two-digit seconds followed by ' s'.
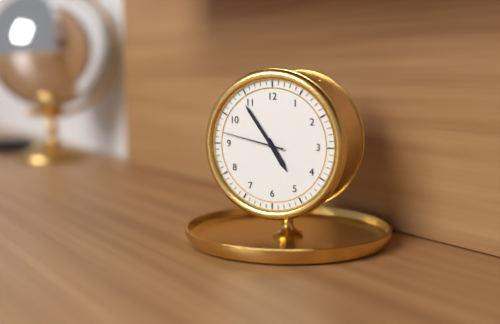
4 h 54 min 47 s
